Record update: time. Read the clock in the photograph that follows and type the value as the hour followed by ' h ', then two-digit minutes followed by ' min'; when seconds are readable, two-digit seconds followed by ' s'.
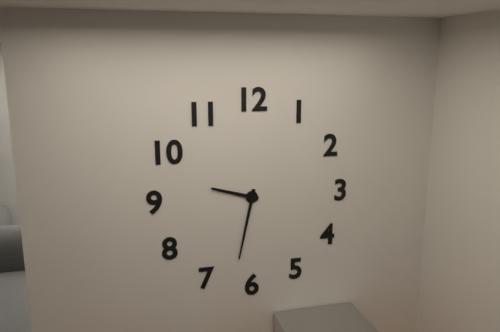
9 h 32 min
